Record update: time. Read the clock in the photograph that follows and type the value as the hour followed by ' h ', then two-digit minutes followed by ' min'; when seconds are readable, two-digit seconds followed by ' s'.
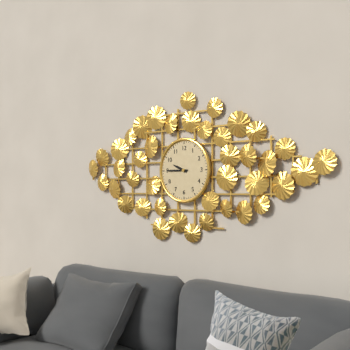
9 h 45 min
